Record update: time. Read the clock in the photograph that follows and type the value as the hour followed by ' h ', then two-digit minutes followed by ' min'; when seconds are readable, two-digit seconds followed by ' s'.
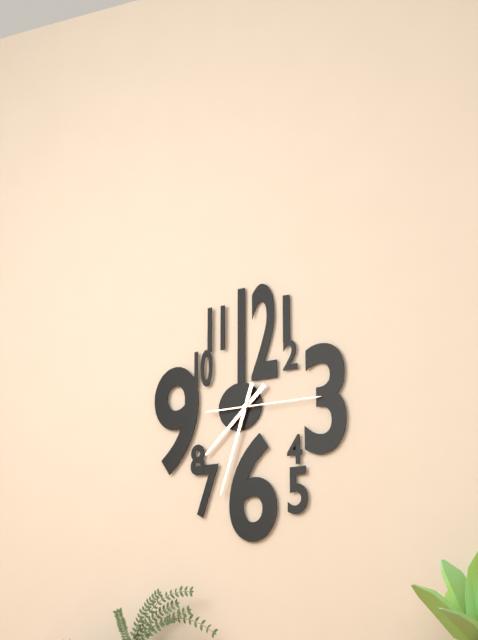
7 h 33 min 15 s
